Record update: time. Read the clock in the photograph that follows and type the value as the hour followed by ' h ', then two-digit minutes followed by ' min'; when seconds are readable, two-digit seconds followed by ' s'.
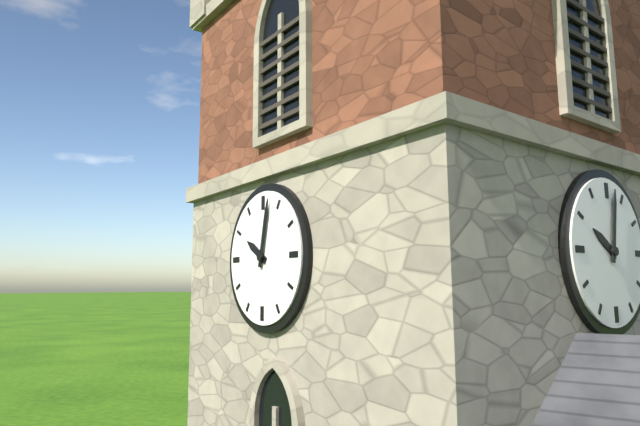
10 h 02 min
